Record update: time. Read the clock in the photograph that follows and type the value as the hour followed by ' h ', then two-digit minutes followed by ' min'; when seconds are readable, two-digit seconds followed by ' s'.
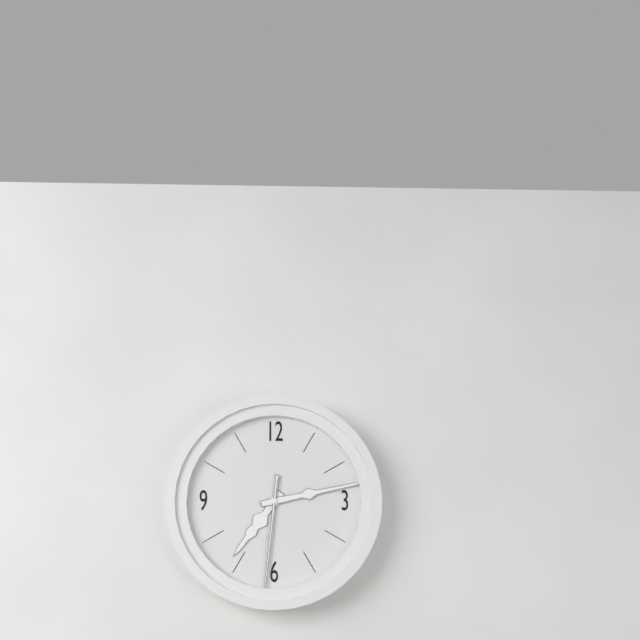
7 h 13 min 31 s
